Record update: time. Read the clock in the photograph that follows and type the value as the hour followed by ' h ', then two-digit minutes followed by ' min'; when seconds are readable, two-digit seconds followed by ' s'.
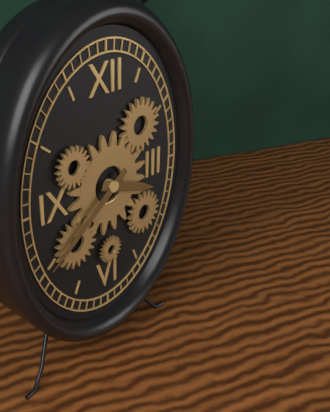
3 h 39 min
